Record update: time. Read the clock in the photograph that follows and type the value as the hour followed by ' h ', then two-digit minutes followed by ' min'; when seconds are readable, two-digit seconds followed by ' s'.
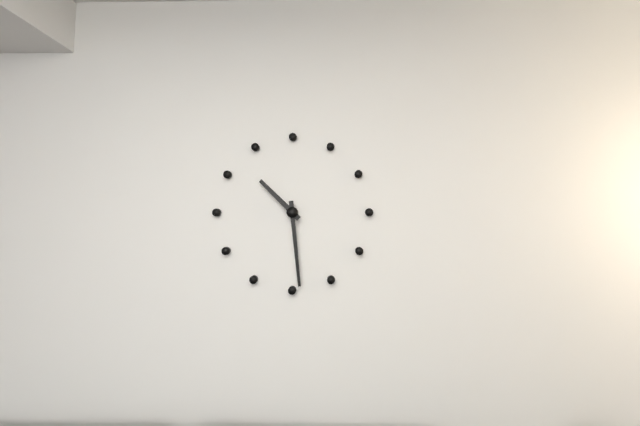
10 h 29 min
